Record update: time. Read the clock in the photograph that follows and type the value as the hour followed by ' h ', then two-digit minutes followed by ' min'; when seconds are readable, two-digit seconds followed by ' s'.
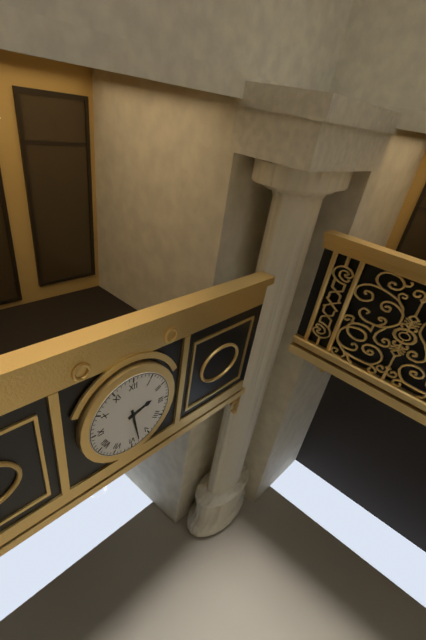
2 h 28 min
